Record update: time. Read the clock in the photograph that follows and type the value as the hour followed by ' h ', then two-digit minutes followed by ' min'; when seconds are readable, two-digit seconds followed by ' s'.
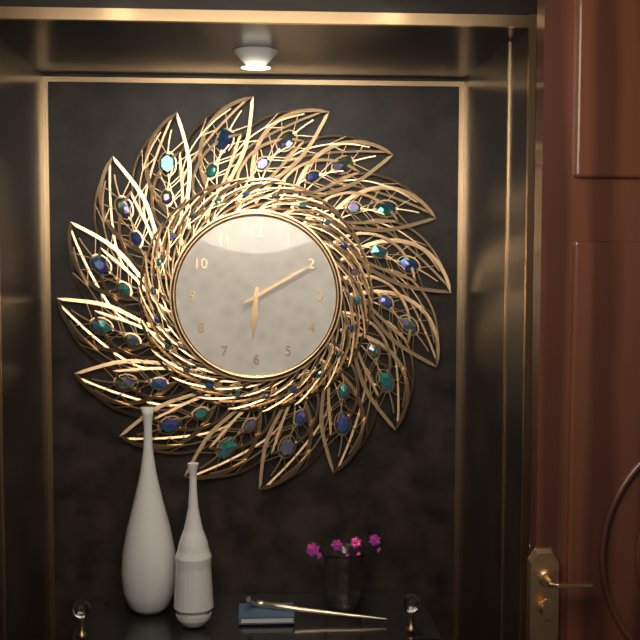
6 h 10 min 10 s
